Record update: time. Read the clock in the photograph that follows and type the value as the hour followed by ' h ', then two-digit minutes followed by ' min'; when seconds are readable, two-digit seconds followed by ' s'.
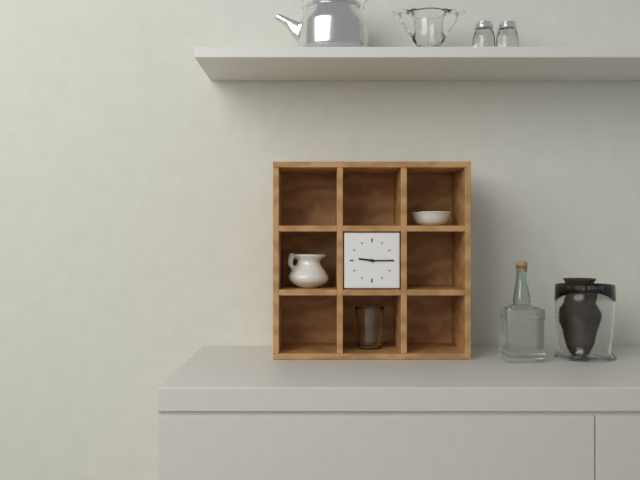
9 h 15 min
